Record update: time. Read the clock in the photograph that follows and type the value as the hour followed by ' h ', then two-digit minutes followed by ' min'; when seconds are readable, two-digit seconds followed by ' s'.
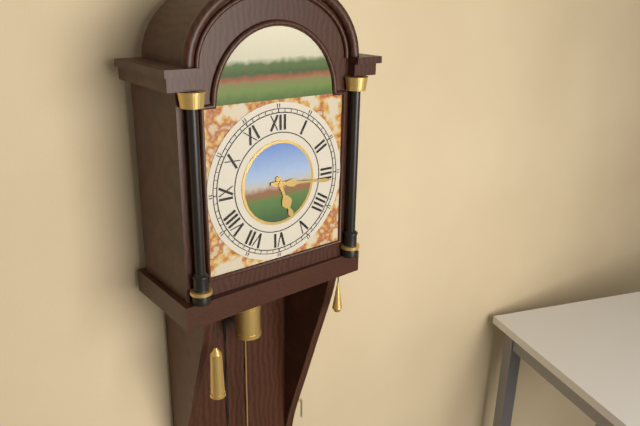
5 h 16 min
